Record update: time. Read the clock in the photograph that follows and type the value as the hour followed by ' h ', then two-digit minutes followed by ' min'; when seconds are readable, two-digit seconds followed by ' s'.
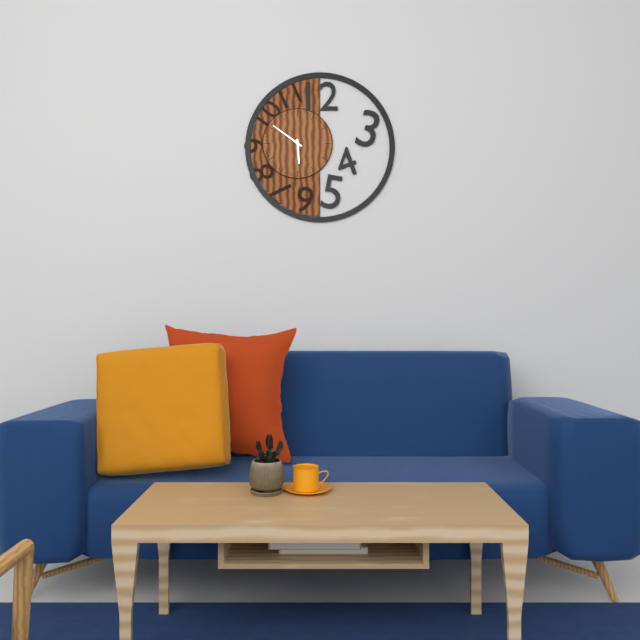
5 h 51 min
